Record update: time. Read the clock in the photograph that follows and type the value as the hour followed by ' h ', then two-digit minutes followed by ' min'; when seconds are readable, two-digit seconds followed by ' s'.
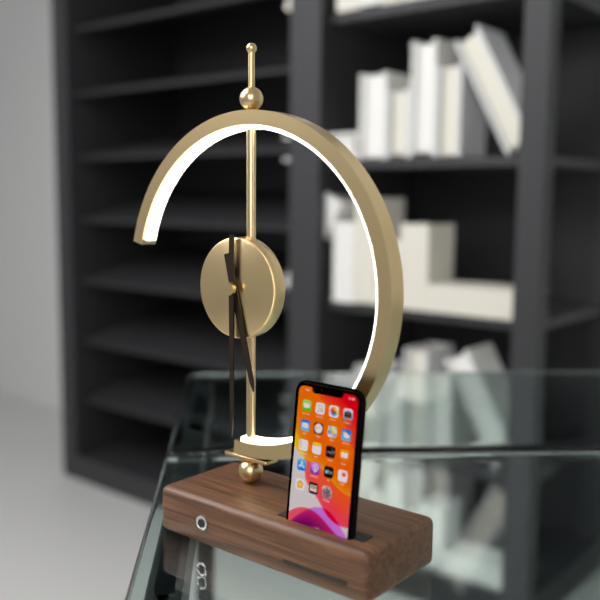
5 h 30 min
